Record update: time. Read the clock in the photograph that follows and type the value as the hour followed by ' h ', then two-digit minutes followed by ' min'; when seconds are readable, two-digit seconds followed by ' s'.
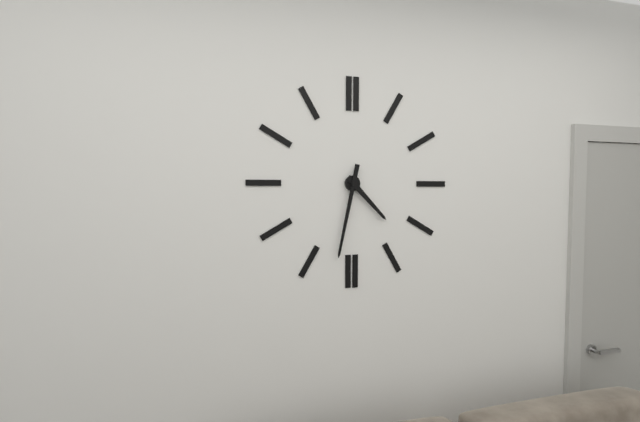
4 h 32 min
